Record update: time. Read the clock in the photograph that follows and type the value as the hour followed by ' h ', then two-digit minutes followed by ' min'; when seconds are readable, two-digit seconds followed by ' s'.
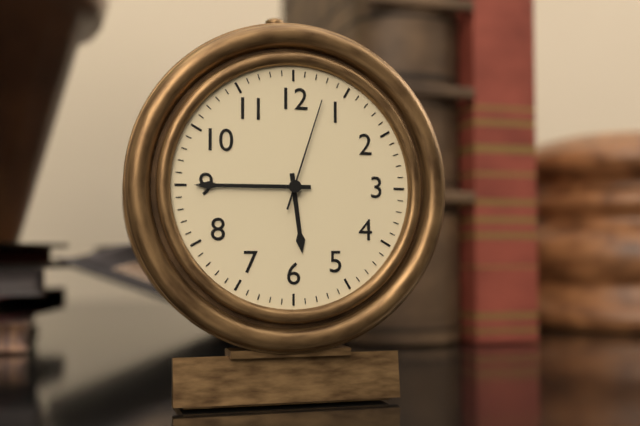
5 h 45 min 03 s
